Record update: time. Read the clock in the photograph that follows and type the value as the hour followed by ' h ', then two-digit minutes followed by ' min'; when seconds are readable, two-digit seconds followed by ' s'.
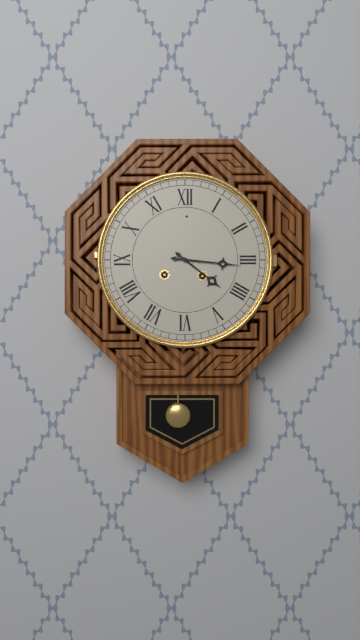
4 h 16 min
